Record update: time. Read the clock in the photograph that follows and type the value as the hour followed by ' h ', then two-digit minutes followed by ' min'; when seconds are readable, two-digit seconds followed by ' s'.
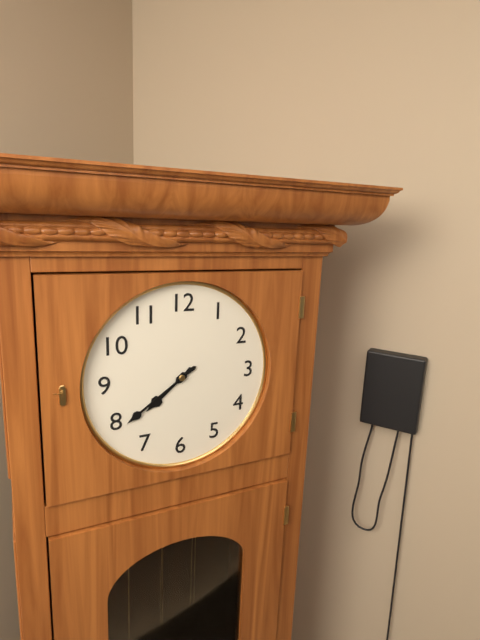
7 h 39 min
